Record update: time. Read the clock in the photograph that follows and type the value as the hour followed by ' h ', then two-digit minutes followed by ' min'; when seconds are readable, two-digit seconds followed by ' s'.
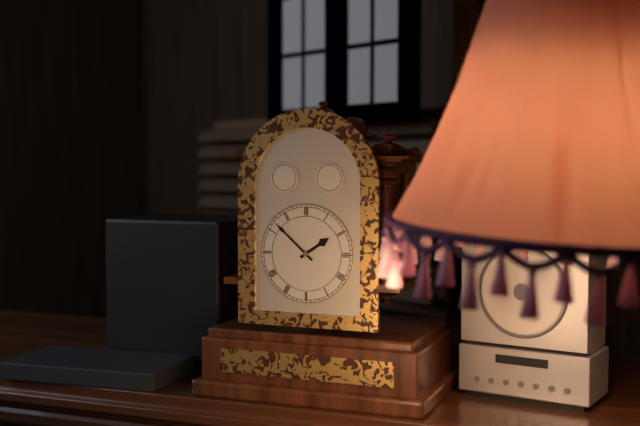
1 h 52 min
